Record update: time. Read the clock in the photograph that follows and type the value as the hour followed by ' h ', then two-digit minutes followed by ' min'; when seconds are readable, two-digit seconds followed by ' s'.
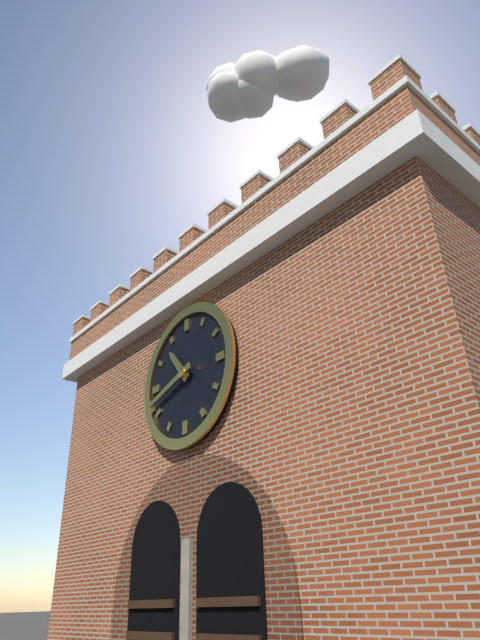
10 h 42 min
